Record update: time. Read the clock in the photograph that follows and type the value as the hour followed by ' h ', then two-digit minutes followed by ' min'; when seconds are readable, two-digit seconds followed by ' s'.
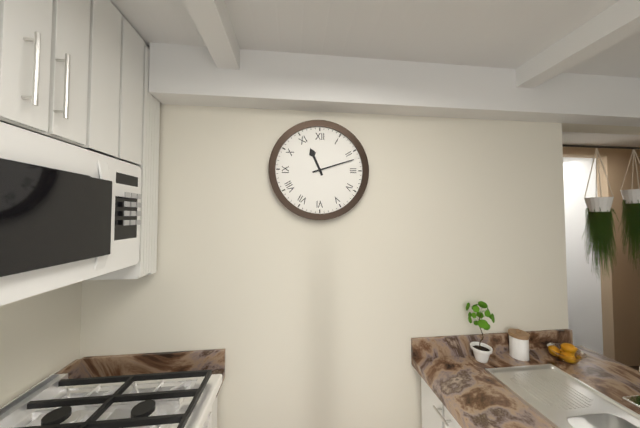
11 h 12 min
